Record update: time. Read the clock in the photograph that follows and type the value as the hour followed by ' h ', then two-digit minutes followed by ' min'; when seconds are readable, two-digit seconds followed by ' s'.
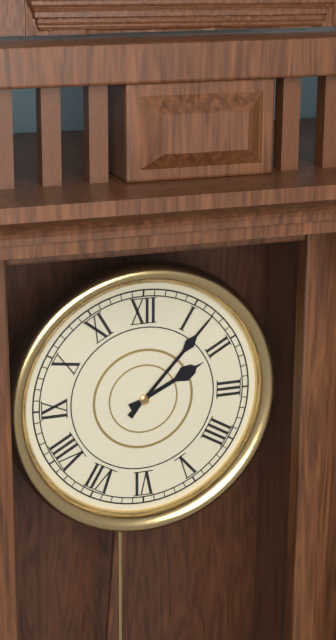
2 h 07 min
